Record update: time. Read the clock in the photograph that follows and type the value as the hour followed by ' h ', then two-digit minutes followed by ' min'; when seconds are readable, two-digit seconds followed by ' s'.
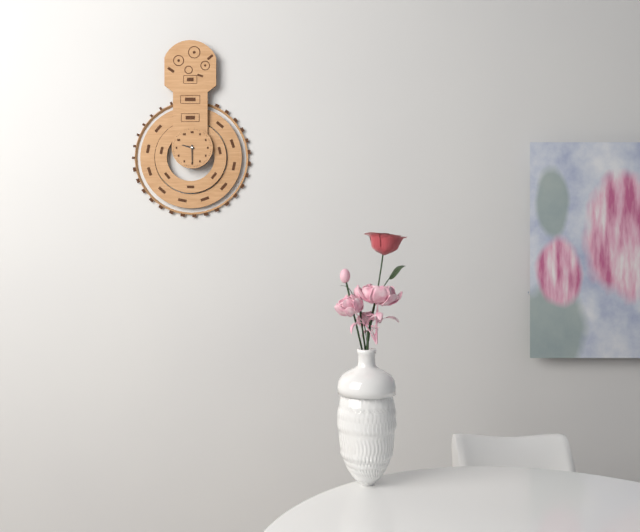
9 h 30 min
